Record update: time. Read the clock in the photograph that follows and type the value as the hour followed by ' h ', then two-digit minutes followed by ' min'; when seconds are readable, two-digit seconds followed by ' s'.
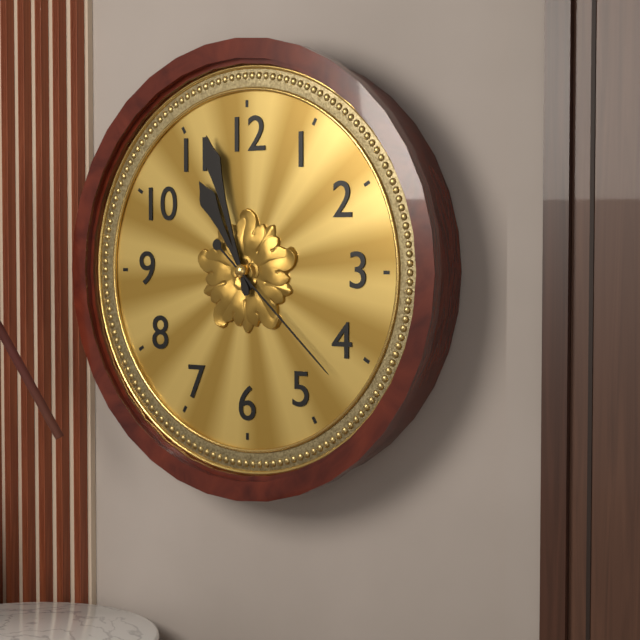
10 h 57 min 22 s
